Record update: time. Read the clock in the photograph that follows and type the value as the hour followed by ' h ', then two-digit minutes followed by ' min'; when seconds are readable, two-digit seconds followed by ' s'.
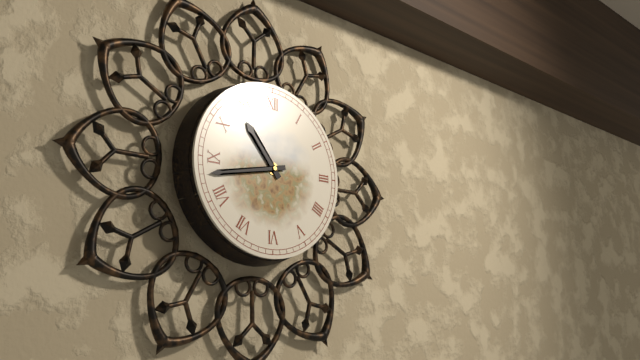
10 h 43 min
